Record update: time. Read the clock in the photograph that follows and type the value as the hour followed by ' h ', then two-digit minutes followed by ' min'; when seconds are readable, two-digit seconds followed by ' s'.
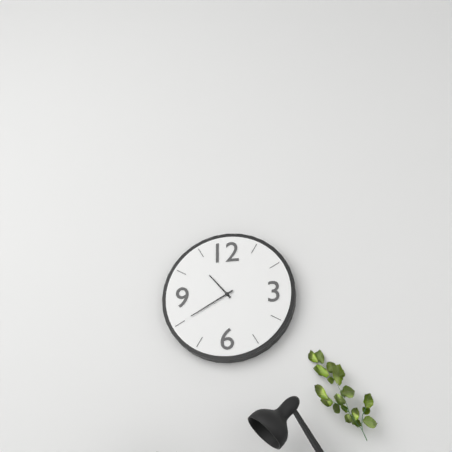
10 h 40 min
